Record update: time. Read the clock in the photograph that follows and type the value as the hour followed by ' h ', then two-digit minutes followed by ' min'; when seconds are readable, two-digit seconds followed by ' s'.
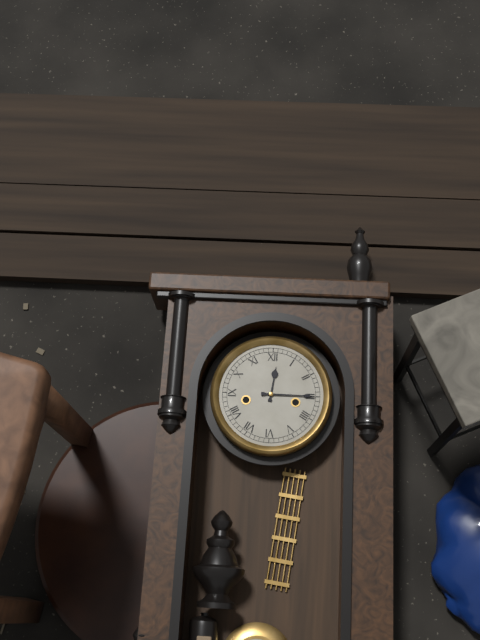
12 h 15 min
